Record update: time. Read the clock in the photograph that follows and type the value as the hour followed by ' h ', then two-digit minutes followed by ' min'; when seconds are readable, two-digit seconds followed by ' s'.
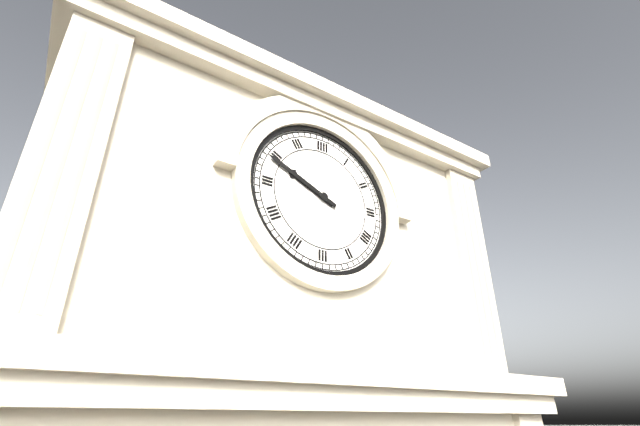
9 h 49 min
